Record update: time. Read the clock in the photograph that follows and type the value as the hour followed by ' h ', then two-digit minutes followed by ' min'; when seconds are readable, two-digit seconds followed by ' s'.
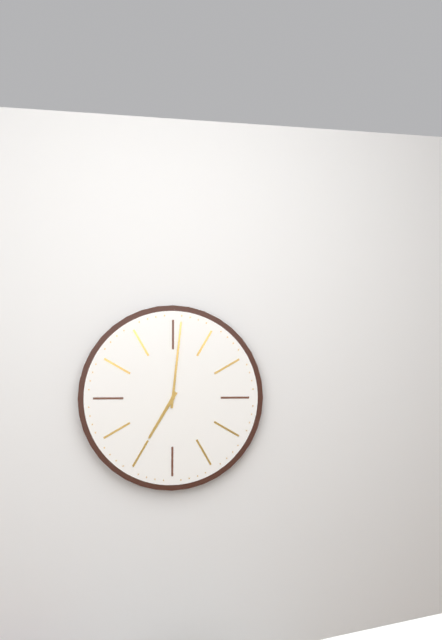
7 h 01 min
